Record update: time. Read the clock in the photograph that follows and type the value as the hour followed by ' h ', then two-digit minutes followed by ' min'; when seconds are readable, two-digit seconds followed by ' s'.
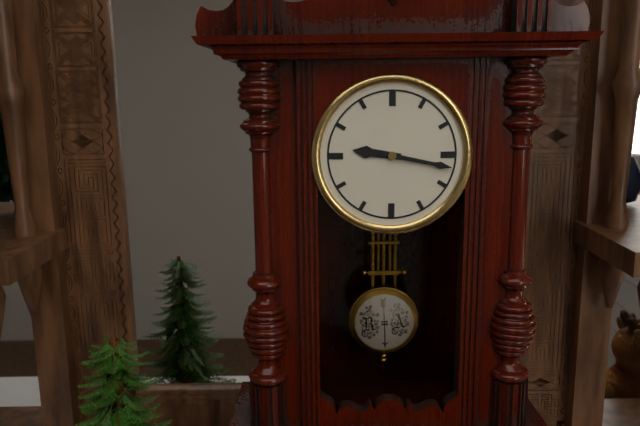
9 h 17 min
